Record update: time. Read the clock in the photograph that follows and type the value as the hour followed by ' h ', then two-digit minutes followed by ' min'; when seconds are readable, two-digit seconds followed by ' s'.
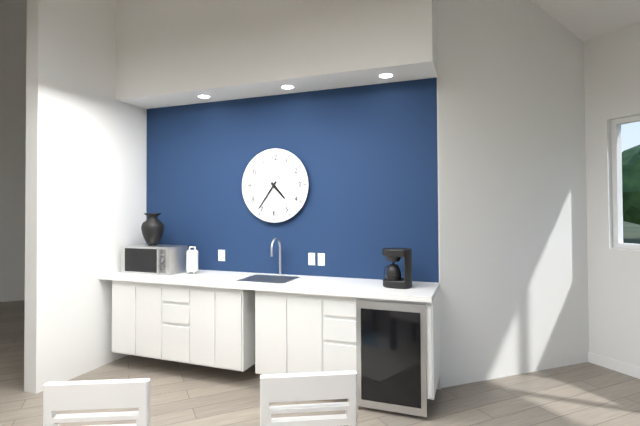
4 h 36 min
